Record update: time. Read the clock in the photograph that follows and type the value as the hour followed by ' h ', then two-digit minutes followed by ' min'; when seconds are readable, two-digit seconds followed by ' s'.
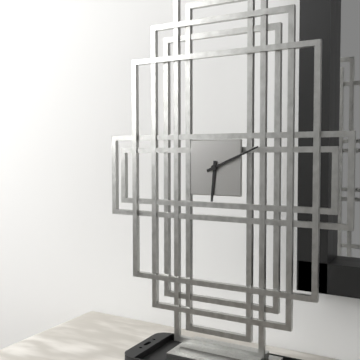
6 h 11 min
